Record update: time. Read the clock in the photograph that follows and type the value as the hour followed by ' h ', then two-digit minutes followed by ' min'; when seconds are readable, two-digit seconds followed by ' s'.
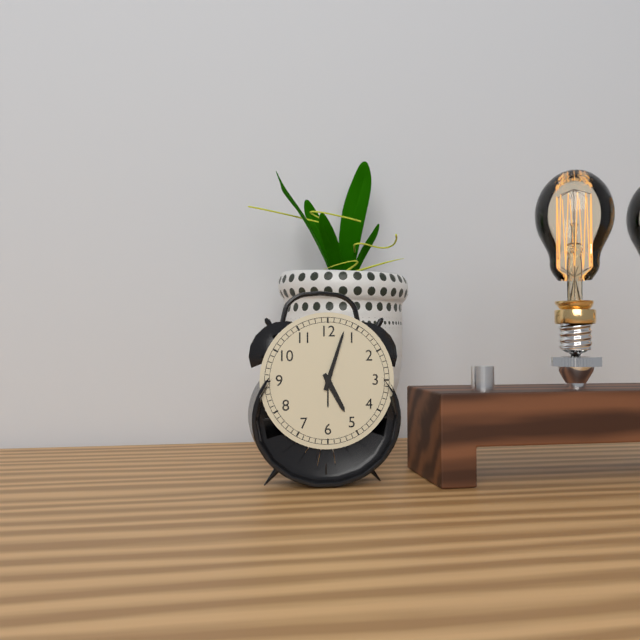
5 h 03 min
